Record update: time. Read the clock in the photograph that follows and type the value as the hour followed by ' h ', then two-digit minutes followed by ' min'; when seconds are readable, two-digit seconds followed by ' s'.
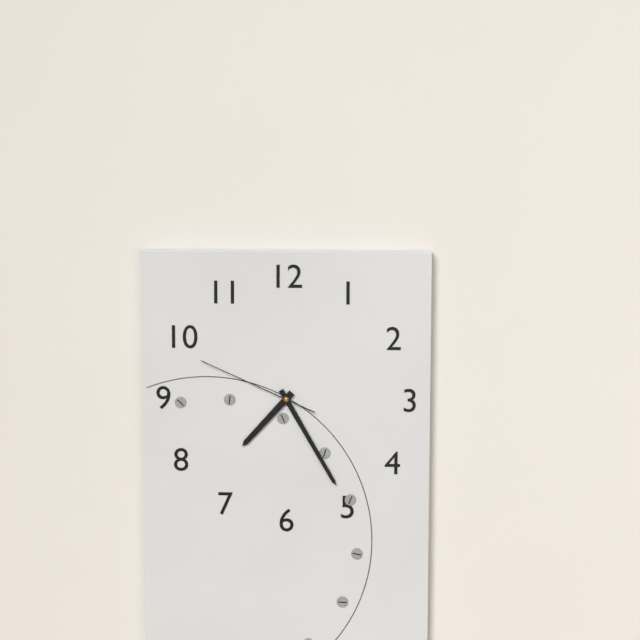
7 h 25 min 49 s
